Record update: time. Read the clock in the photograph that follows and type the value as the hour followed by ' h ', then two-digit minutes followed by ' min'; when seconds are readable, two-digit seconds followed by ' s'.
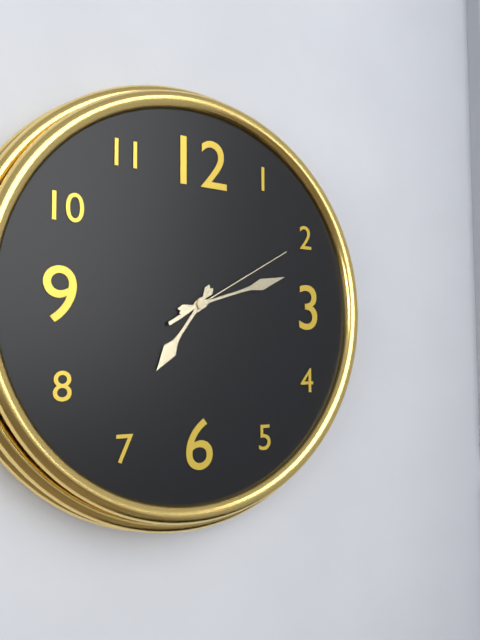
7 h 12 min 10 s
